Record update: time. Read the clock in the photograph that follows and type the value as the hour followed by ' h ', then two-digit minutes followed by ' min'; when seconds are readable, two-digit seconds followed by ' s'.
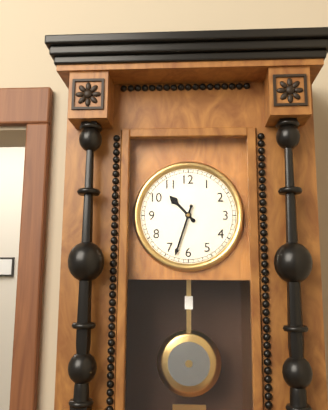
10 h 33 min
